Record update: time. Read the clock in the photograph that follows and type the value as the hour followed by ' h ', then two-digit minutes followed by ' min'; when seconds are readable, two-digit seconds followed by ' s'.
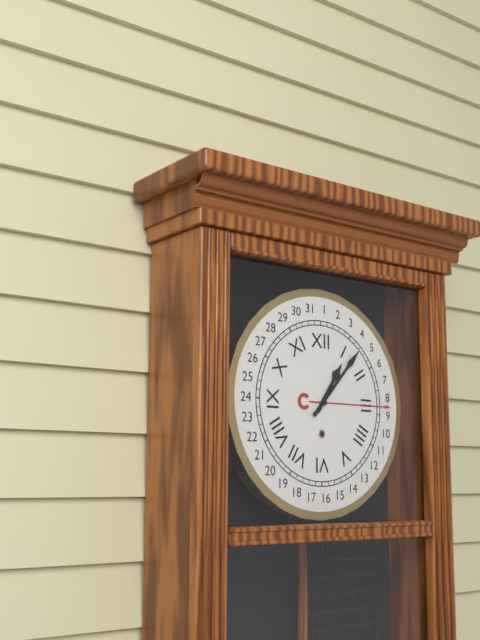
1 h 07 min
